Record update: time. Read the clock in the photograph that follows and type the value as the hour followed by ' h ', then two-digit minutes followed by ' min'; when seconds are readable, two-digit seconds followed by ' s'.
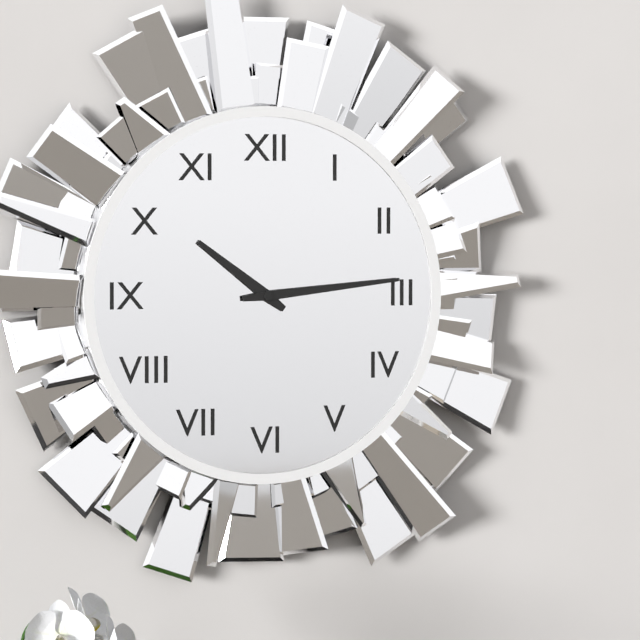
10 h 14 min
